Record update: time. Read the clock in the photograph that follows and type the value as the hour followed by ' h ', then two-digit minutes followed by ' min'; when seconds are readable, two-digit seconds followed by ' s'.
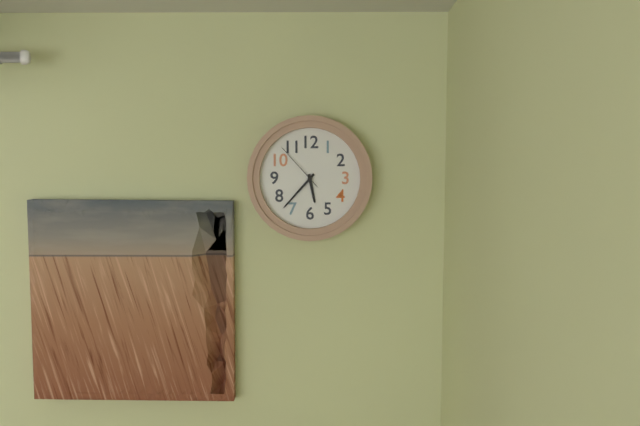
5 h 37 min 53 s
